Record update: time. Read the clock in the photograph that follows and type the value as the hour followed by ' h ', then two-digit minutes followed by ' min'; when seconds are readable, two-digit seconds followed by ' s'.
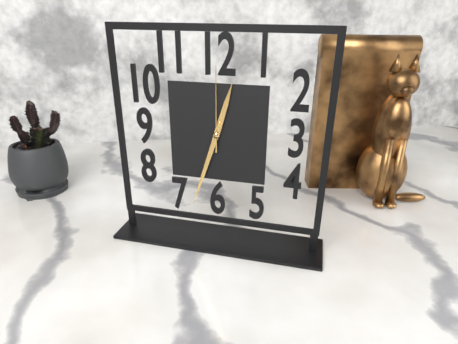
12 h 33 min 00 s
